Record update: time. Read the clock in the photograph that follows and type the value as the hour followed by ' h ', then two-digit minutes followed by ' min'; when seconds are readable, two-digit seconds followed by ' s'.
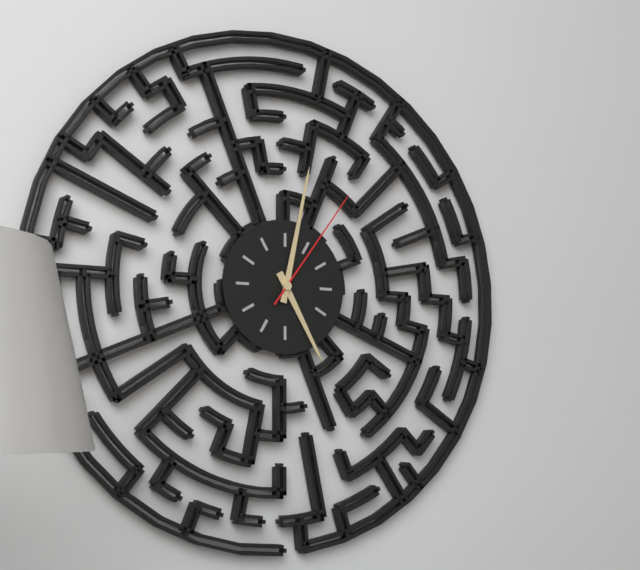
5 h 02 min 06 s
